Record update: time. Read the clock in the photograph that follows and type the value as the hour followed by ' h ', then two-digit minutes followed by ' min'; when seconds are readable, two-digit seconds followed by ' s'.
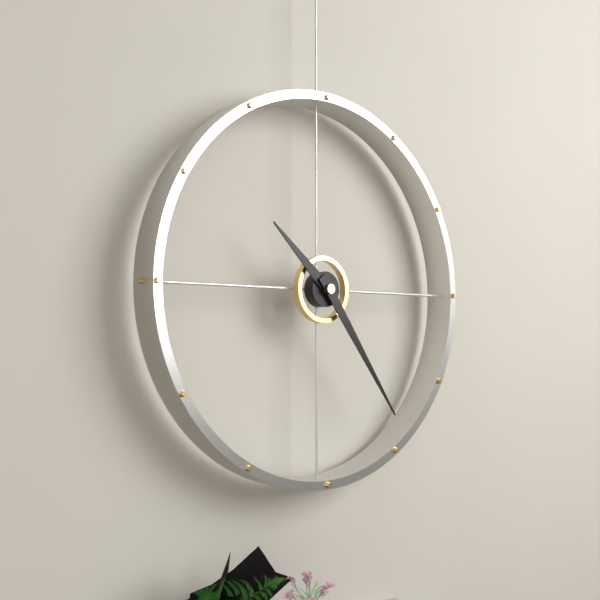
10 h 24 min
